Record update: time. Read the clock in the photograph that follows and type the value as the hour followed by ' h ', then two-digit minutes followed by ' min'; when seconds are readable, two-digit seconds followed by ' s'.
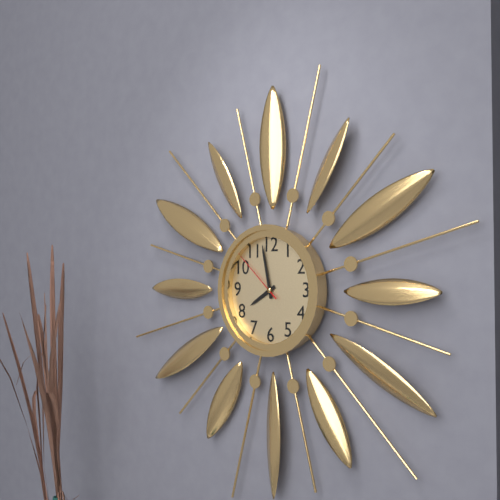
7 h 58 min 52 s
